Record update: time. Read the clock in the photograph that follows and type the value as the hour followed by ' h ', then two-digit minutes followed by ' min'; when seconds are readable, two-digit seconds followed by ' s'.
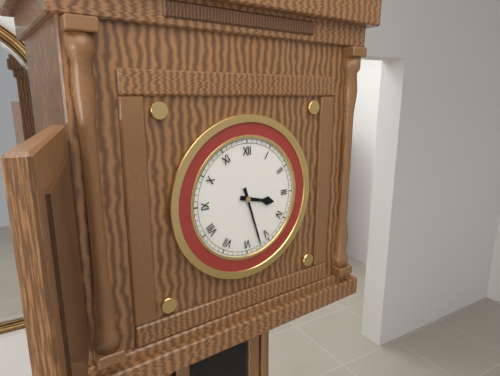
3 h 27 min
